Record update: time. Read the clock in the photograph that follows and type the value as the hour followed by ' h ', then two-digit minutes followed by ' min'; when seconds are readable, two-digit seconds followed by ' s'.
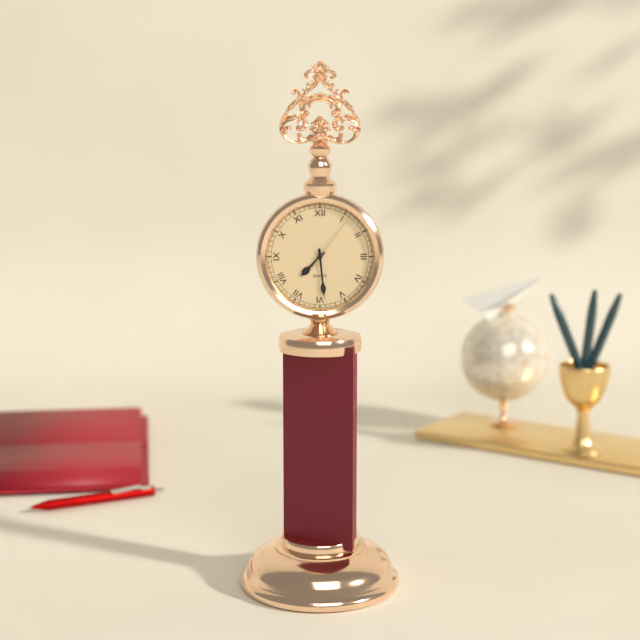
7 h 29 min 06 s
